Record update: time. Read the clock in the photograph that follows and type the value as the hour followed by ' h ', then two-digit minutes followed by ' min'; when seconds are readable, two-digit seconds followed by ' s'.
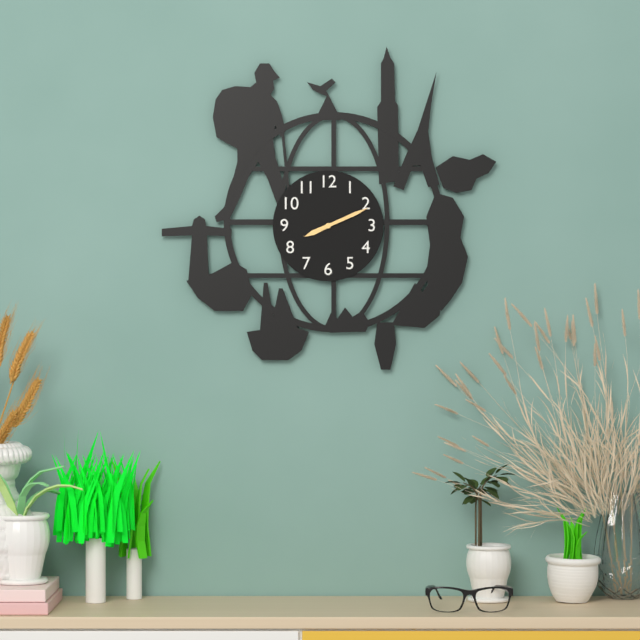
8 h 11 min
